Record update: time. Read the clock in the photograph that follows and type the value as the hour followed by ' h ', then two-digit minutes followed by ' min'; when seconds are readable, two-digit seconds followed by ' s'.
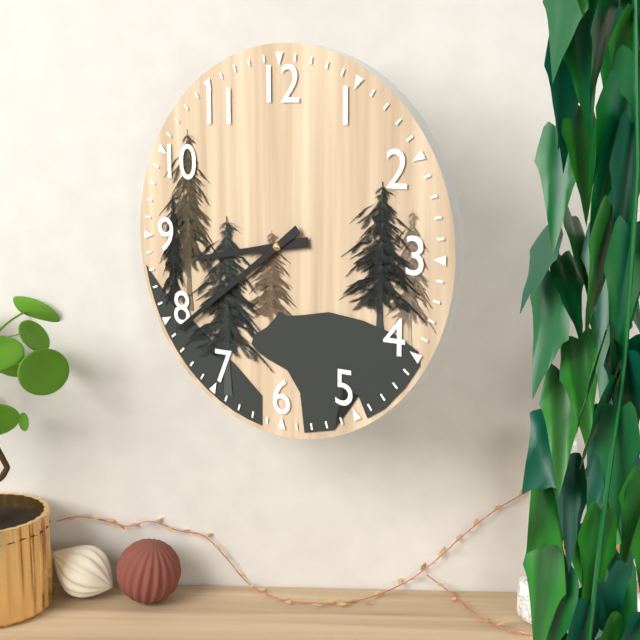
8 h 39 min
